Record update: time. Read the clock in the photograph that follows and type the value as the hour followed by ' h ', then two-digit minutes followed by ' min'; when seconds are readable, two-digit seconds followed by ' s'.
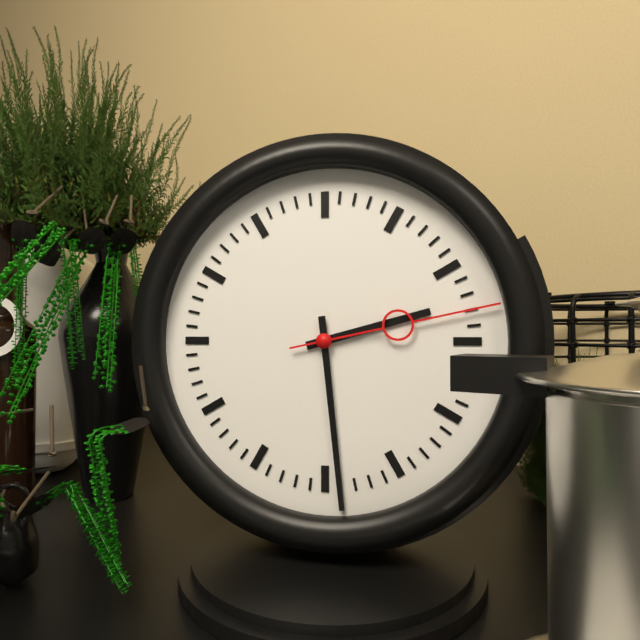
2 h 29 min 13 s
